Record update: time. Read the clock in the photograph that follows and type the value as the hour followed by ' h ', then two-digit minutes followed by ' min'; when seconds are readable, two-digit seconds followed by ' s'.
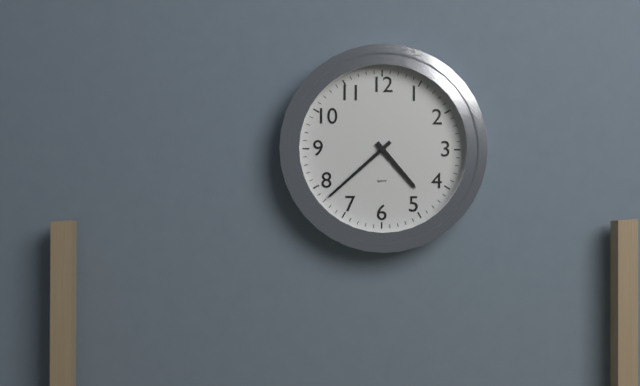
4 h 38 min
